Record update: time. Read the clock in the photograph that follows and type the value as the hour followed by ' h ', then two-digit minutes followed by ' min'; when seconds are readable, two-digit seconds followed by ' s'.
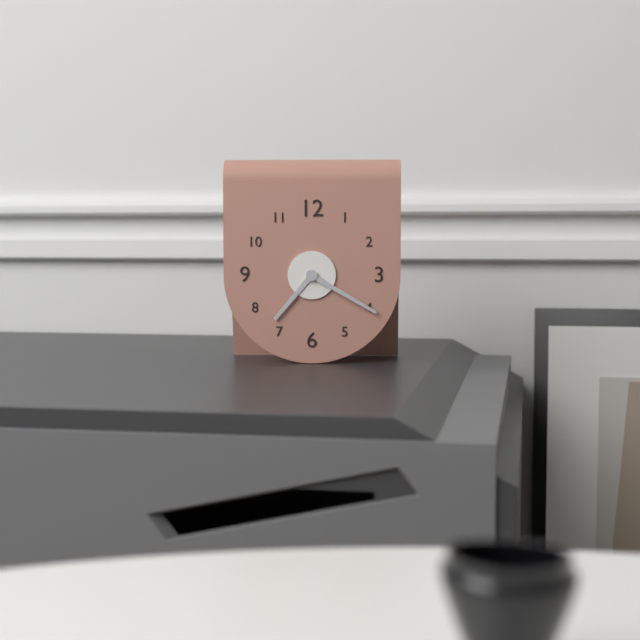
7 h 20 min
